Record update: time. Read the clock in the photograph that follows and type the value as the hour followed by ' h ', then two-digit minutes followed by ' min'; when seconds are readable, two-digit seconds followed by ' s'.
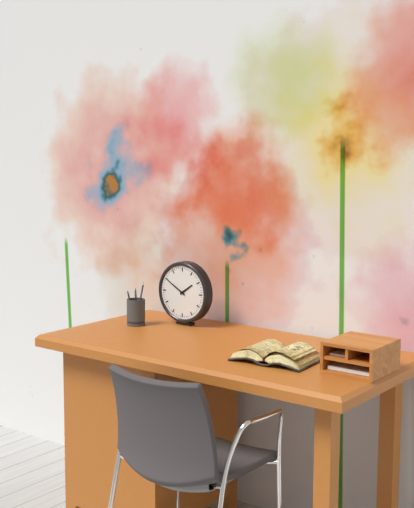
1 h 50 min
